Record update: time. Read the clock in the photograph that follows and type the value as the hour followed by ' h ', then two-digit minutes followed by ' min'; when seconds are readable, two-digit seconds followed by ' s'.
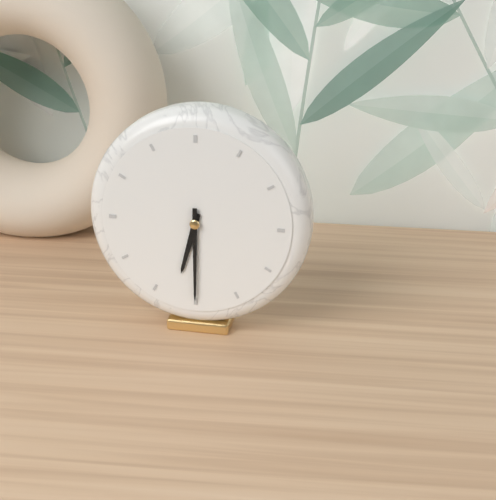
6 h 30 min
